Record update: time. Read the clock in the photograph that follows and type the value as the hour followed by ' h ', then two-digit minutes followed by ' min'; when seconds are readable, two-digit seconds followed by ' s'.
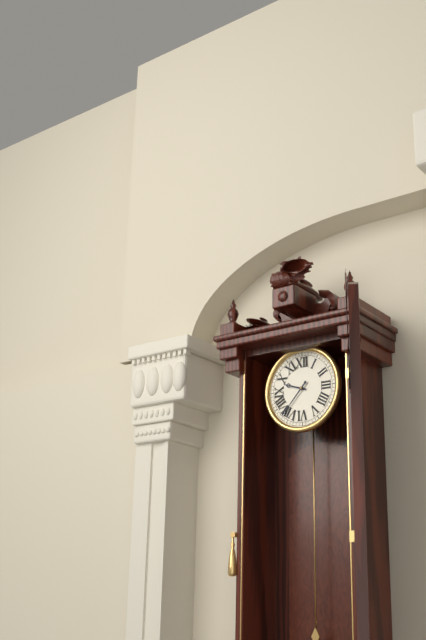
9 h 37 min
